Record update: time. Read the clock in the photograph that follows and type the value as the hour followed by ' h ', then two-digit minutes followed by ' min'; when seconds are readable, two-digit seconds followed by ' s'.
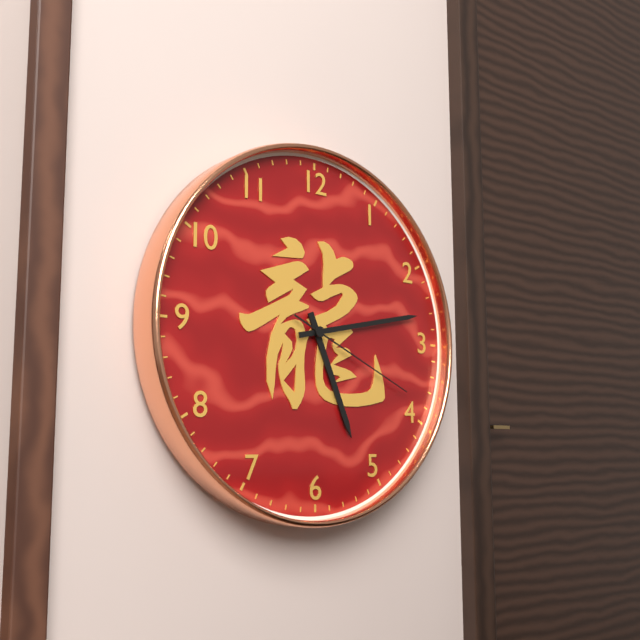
5 h 13 min 19 s
